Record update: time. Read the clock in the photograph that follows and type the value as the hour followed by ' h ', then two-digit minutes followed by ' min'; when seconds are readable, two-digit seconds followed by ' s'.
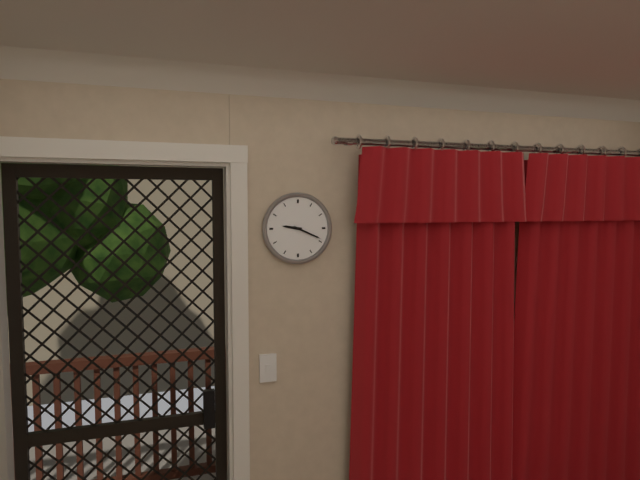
9 h 19 min
